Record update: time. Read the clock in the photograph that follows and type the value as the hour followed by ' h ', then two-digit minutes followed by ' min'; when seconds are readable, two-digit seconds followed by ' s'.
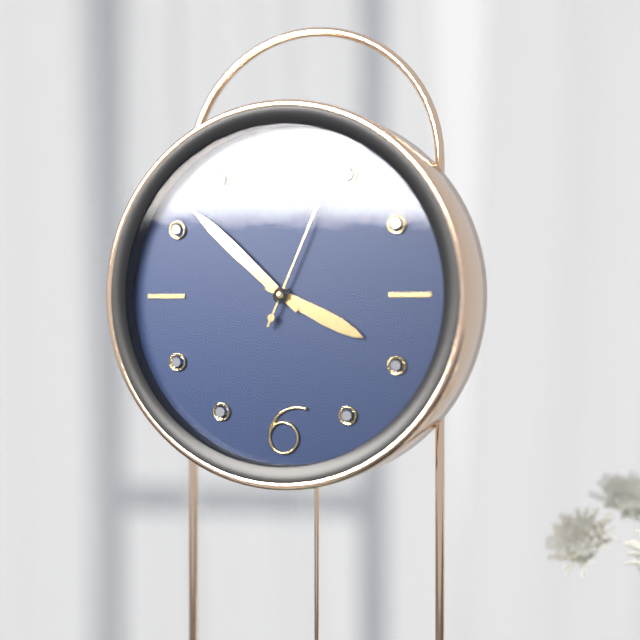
3 h 52 min 04 s
